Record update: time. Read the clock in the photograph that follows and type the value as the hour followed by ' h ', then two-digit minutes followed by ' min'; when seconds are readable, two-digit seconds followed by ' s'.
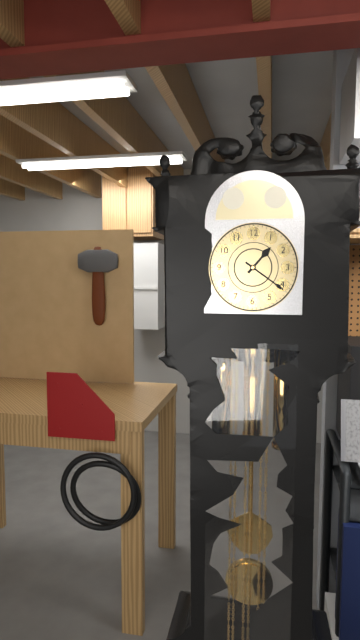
1 h 21 min
